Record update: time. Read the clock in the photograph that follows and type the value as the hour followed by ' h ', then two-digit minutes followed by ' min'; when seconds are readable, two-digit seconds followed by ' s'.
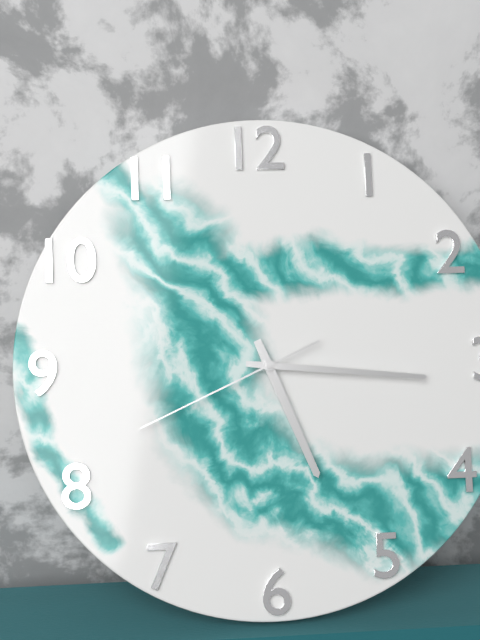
5 h 16 min 41 s
